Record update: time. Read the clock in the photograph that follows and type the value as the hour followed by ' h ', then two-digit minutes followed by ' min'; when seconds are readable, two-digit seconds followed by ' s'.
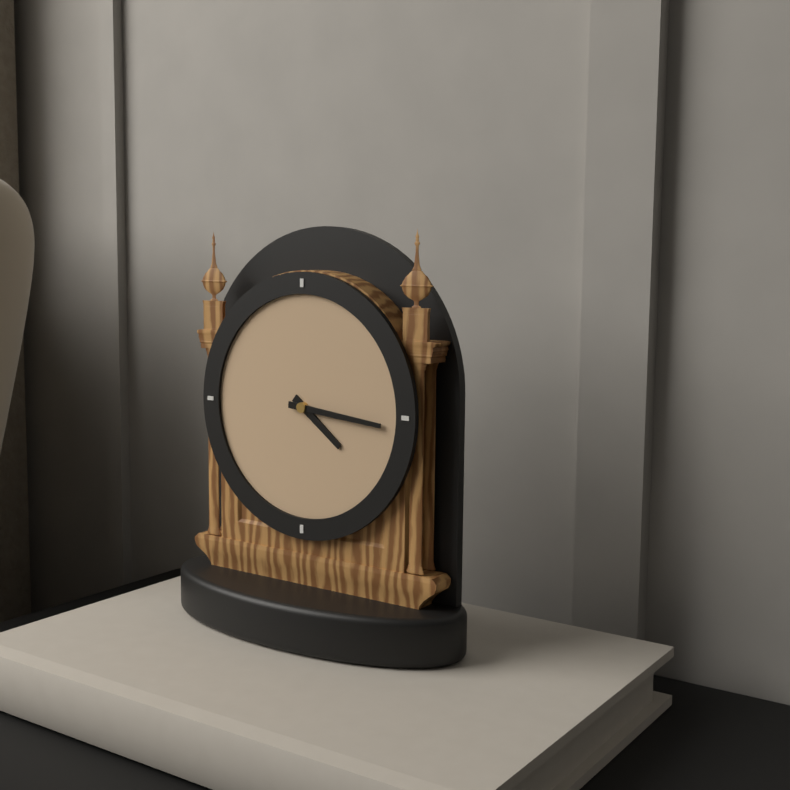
4 h 16 min
